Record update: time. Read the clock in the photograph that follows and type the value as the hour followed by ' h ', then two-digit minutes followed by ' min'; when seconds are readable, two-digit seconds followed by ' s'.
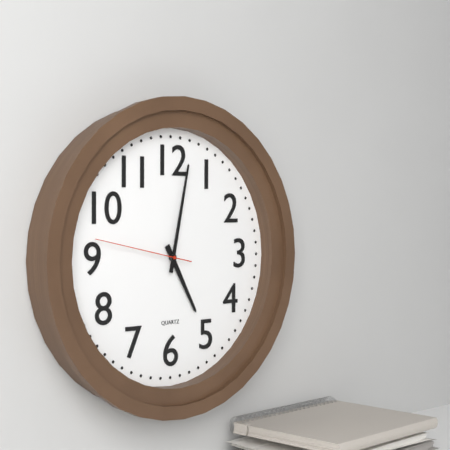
5 h 02 min 47 s
